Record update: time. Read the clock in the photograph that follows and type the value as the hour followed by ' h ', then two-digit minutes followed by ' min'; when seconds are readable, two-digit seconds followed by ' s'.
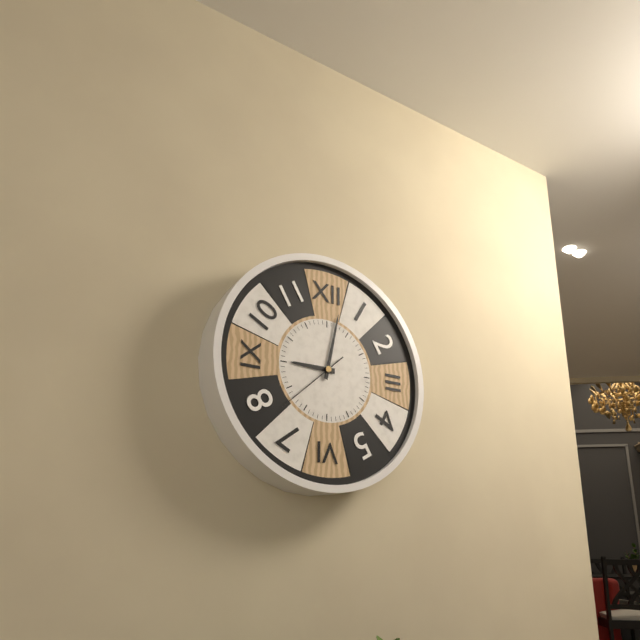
9 h 02 min 38 s
